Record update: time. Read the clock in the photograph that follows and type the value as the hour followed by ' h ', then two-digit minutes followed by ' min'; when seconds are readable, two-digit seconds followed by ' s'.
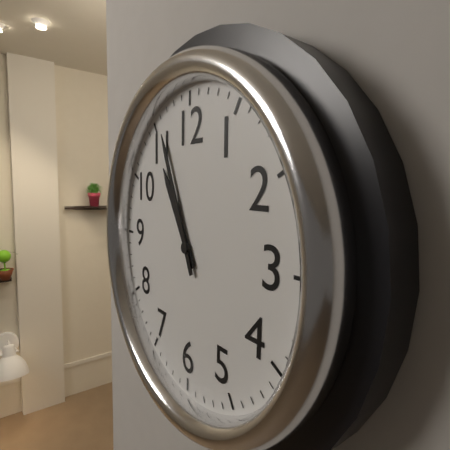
10 h 56 min
